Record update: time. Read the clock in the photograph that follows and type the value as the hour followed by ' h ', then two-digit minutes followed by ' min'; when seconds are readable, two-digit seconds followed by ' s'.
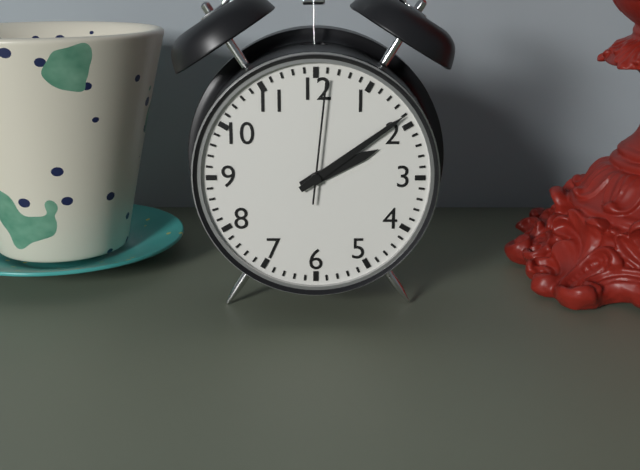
2 h 09 min 01 s
